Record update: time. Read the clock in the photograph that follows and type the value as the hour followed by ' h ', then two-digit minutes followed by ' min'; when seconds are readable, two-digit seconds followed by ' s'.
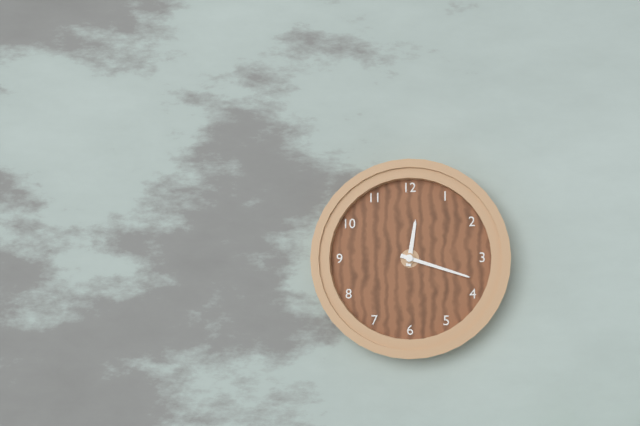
12 h 18 min
